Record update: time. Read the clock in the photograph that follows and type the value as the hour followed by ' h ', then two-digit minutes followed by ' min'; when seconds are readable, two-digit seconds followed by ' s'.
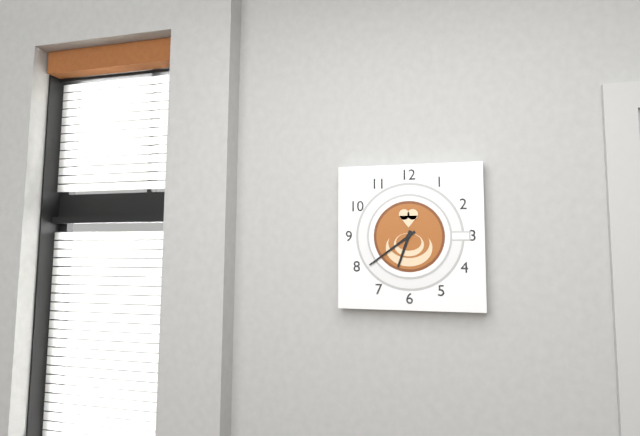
6 h 39 min
